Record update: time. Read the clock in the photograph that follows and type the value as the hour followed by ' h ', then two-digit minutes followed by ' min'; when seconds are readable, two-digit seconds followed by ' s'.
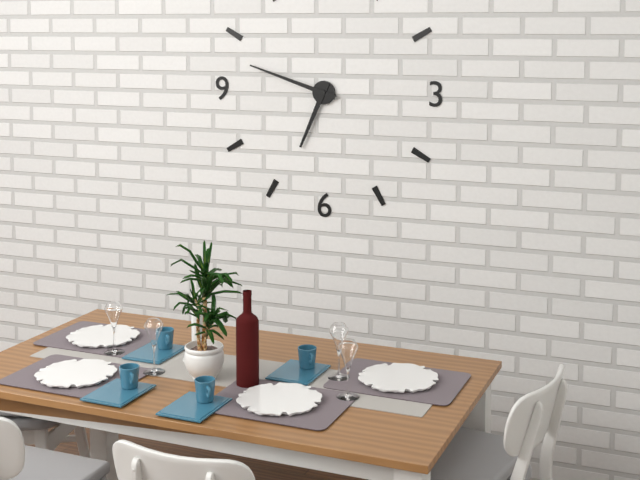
6 h 48 min
